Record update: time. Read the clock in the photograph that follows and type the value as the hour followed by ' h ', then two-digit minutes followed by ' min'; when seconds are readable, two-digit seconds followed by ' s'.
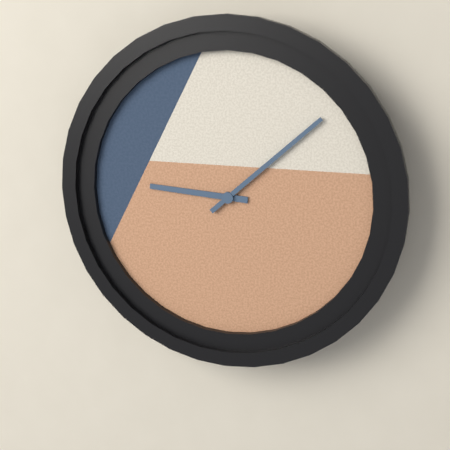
9 h 08 min
